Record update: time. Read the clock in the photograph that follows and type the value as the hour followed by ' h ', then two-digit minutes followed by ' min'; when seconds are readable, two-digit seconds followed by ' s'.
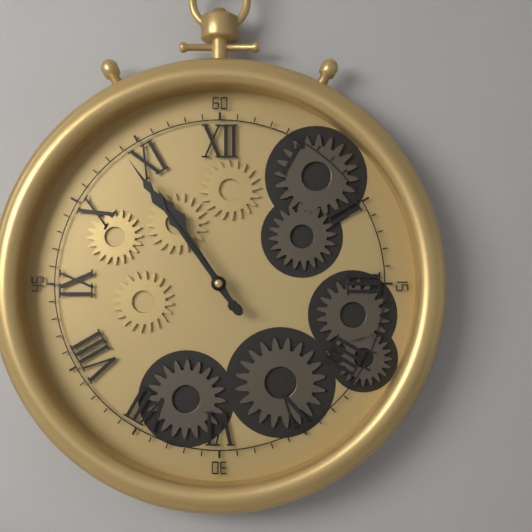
10 h 54 min
